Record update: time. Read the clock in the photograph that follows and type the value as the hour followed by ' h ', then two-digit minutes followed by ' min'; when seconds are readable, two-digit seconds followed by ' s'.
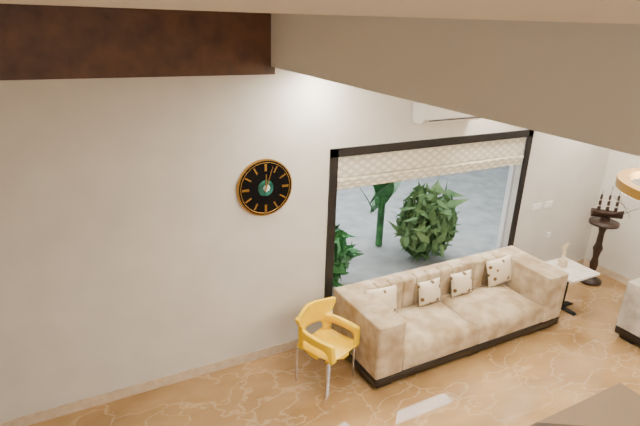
12 h 03 min
